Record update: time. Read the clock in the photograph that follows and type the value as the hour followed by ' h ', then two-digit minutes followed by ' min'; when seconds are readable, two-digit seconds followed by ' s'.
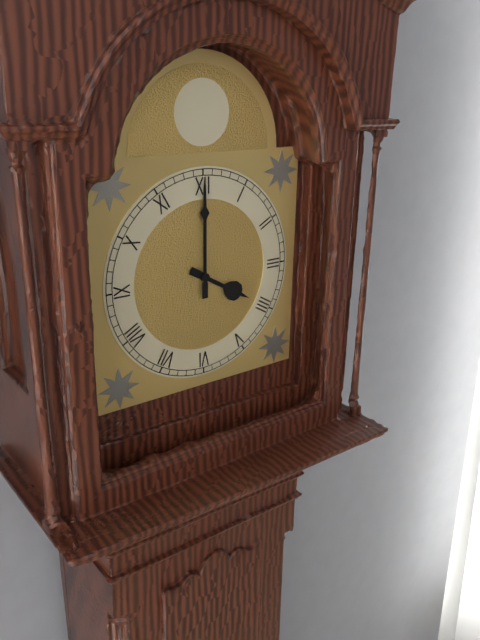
4 h 00 min
